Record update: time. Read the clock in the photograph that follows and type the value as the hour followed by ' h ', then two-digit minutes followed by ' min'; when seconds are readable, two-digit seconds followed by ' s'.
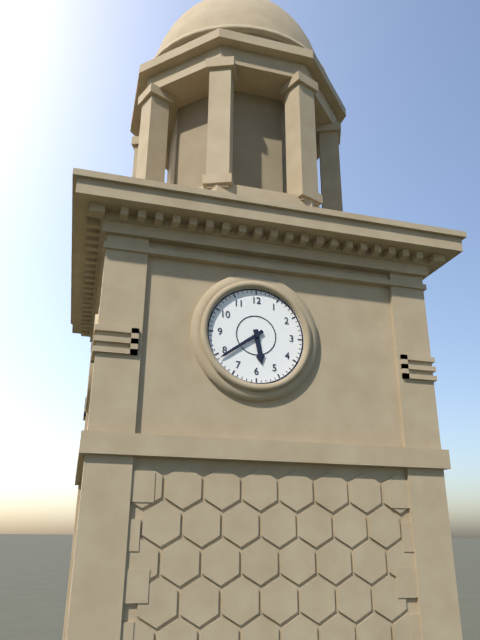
5 h 39 min
